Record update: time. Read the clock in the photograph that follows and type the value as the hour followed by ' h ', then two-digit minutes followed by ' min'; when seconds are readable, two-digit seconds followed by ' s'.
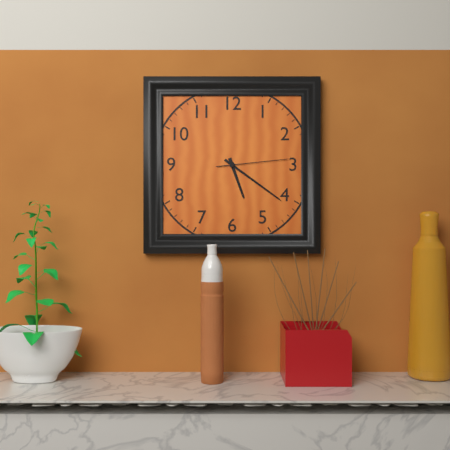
5 h 21 min 14 s
